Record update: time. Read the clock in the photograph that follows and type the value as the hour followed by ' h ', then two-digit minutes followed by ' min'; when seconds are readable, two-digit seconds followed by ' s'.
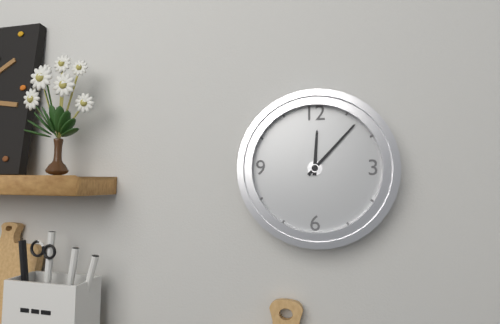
12 h 07 min
